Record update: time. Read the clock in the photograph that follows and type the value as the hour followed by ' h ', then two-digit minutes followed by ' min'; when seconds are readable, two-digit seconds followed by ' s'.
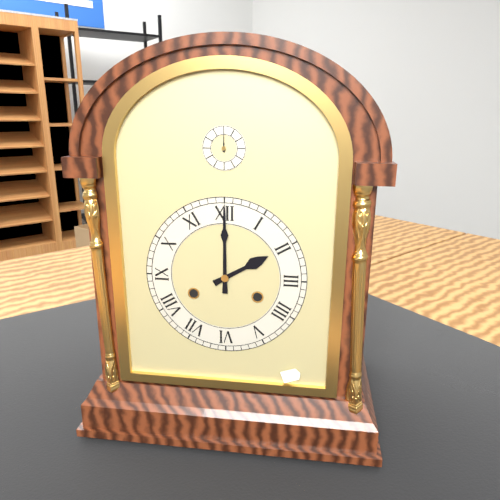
2 h 00 min
